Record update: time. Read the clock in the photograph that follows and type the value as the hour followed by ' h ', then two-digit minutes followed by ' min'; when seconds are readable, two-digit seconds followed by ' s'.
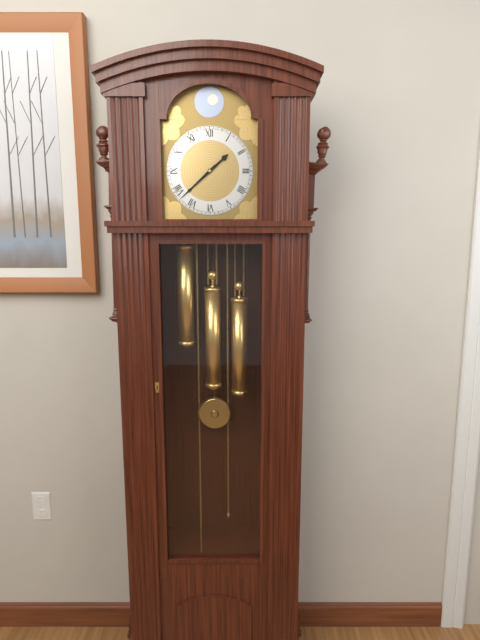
1 h 38 min
